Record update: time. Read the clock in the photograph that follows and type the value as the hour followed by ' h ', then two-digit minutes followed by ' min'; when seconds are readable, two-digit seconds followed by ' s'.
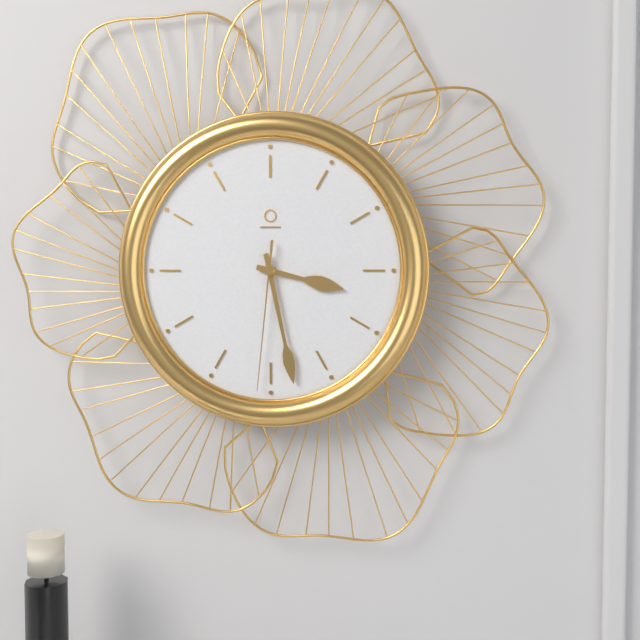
3 h 28 min 31 s
